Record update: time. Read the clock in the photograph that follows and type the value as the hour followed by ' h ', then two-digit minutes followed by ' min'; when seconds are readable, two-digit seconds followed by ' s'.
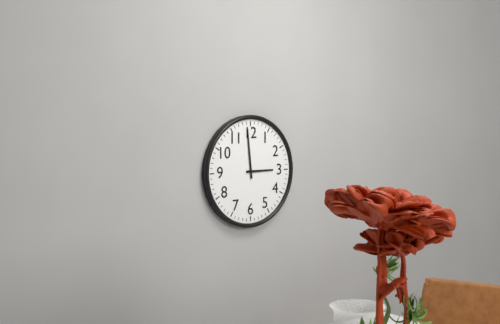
2 h 59 min
